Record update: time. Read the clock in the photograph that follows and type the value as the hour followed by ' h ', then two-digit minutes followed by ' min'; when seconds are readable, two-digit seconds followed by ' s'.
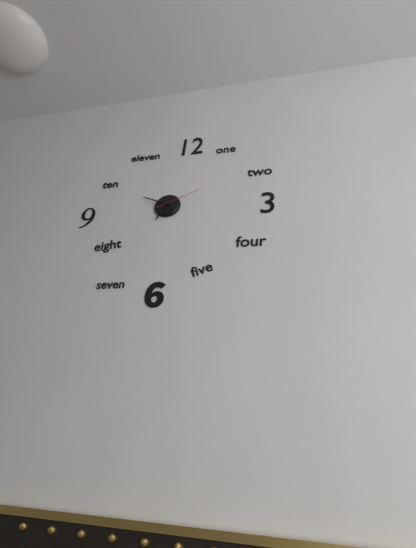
6 h 49 min
